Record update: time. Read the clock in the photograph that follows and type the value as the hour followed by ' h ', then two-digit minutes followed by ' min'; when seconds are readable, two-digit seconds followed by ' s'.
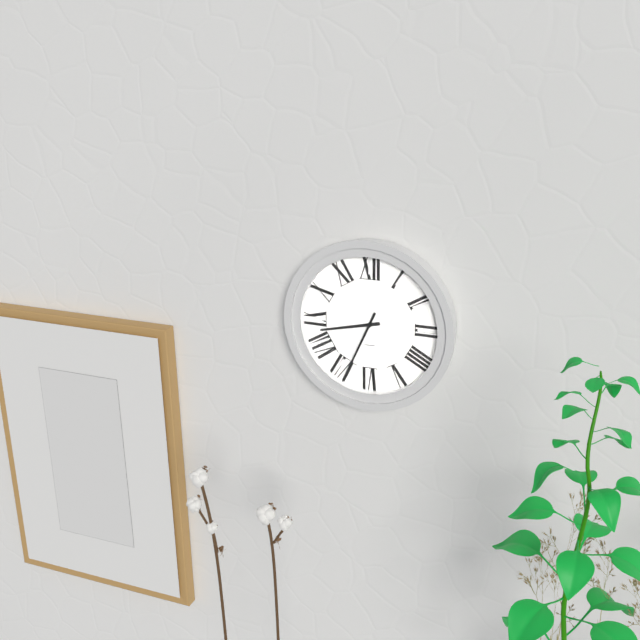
8 h 34 min
